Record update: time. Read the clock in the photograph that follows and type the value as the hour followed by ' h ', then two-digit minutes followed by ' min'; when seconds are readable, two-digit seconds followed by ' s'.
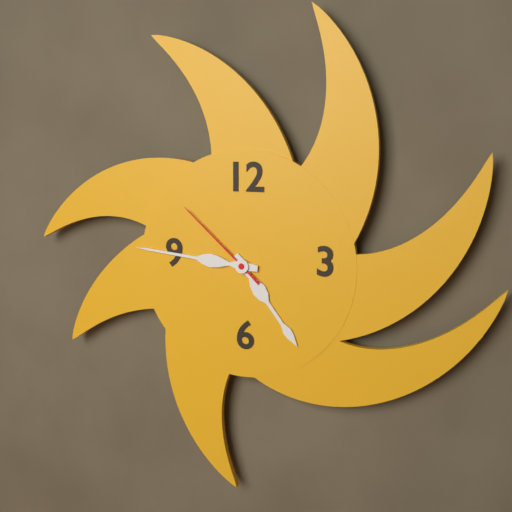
4 h 46 min 52 s
